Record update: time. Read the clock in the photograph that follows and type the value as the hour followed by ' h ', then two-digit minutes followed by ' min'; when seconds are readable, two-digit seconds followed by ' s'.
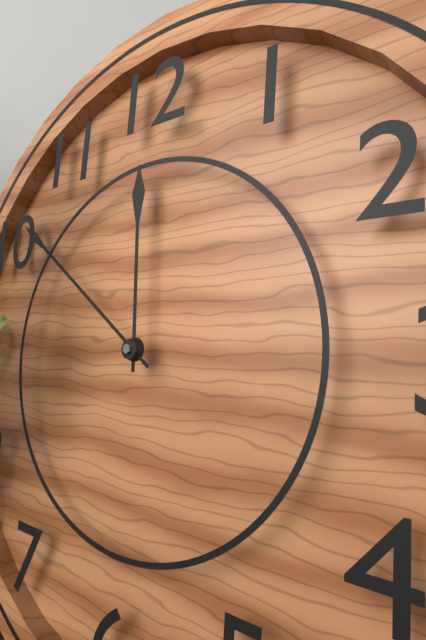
11 h 51 min
